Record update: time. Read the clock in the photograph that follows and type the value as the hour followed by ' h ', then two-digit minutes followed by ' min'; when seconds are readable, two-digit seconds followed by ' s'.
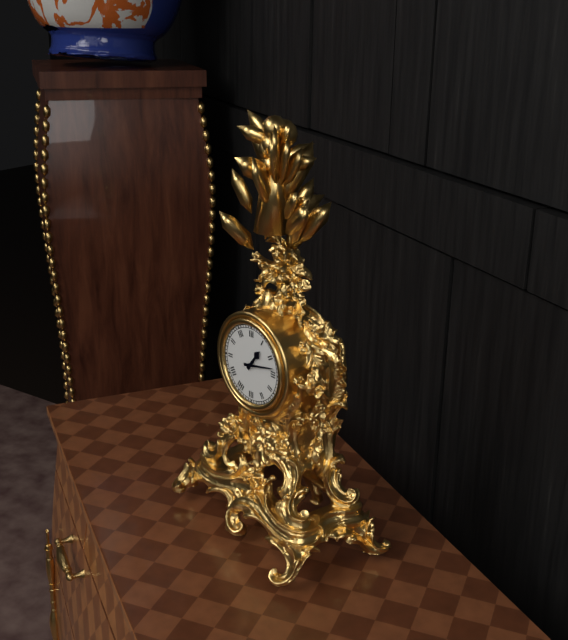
1 h 13 min
